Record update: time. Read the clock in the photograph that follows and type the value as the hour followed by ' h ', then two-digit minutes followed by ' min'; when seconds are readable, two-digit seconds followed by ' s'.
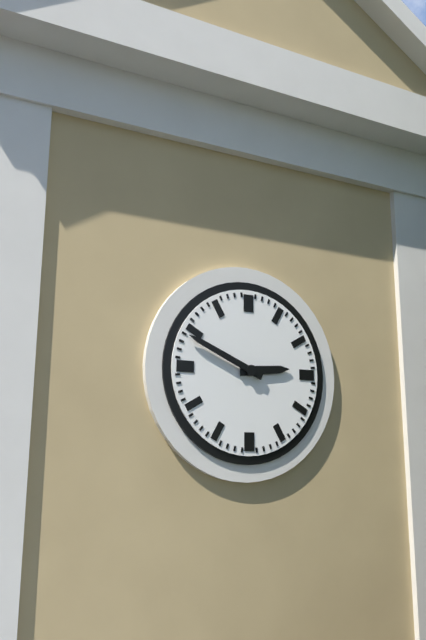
2 h 49 min
